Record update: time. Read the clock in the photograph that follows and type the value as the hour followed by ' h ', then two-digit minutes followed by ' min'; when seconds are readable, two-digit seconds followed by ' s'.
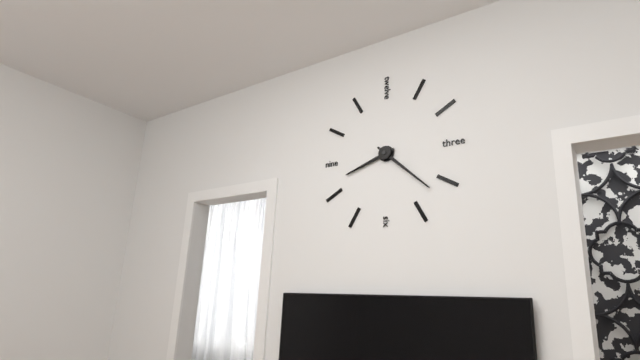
8 h 22 min
